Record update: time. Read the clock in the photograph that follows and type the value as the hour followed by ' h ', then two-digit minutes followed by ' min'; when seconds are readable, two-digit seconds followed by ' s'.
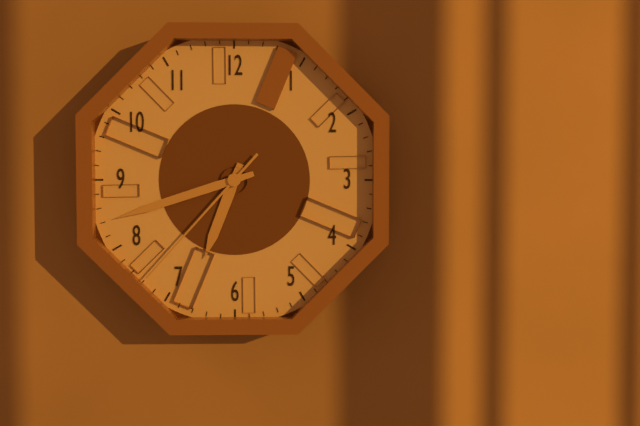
6 h 42 min 37 s
